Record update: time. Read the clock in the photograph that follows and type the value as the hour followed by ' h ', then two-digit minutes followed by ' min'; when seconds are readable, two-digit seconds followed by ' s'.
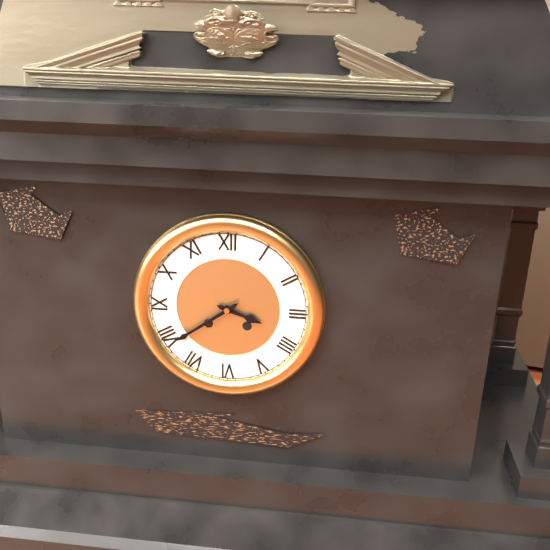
3 h 39 min
